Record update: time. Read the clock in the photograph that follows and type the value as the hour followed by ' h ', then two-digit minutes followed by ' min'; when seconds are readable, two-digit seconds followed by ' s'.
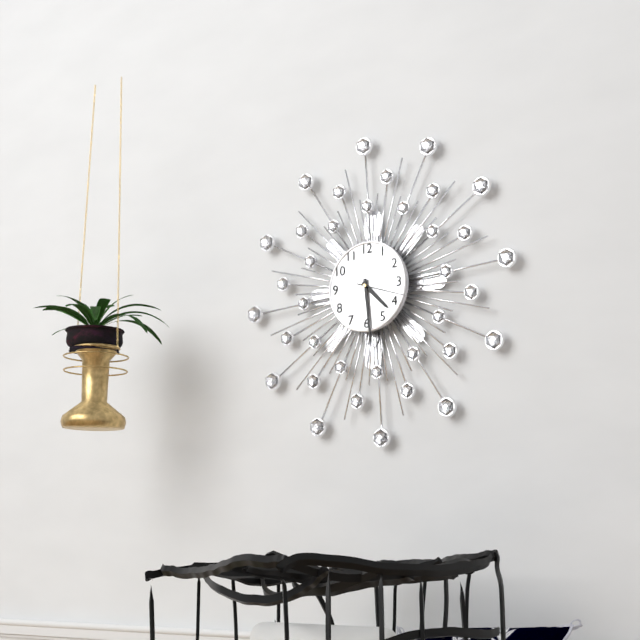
4 h 29 min 18 s
